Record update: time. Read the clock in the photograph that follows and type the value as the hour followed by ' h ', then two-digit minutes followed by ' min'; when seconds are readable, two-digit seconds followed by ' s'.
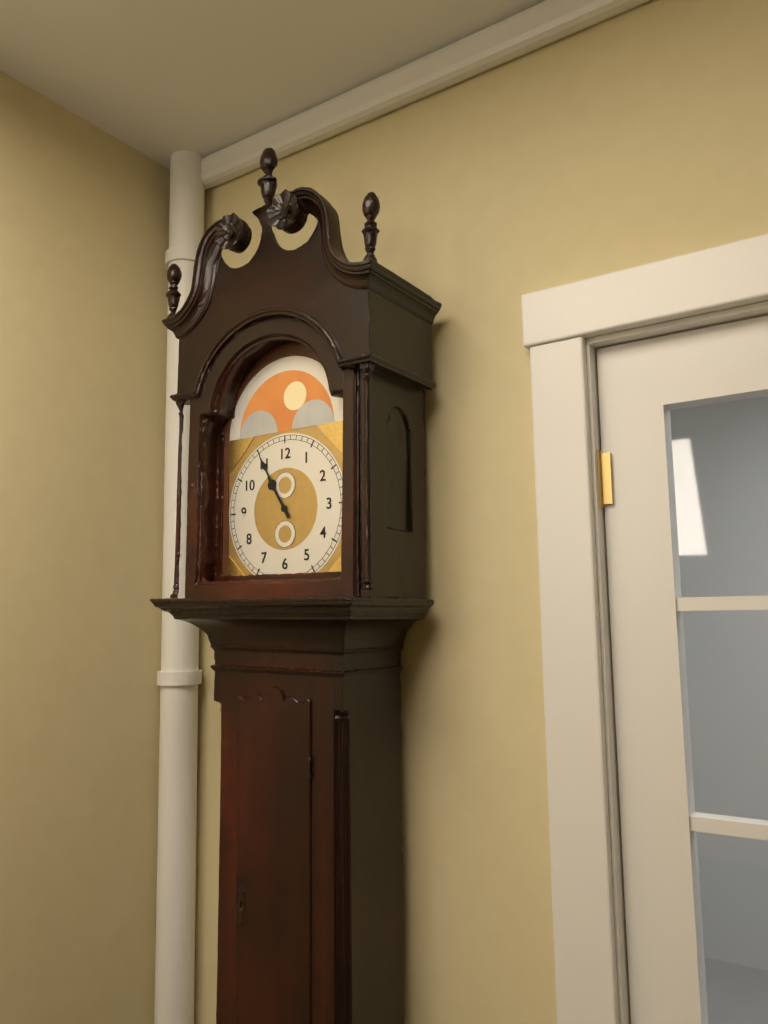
10 h 55 min
